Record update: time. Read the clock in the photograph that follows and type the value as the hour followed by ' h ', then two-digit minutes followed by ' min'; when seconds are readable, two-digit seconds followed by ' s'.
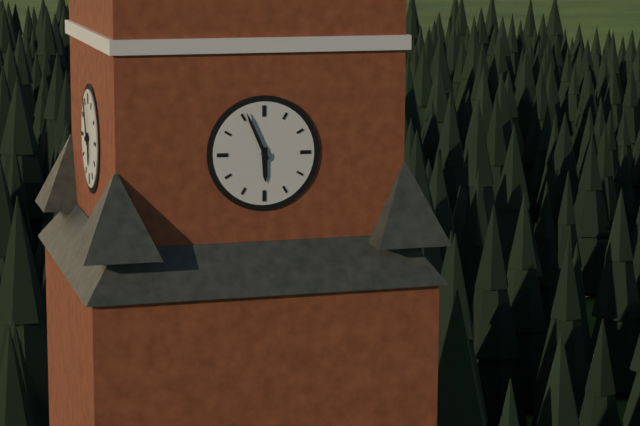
5 h 56 min
